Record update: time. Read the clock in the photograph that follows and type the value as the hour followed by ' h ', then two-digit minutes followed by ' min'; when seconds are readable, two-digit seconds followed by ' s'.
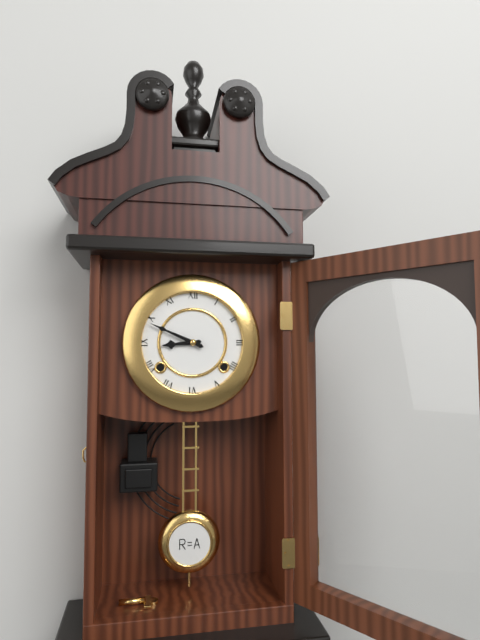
8 h 49 min
